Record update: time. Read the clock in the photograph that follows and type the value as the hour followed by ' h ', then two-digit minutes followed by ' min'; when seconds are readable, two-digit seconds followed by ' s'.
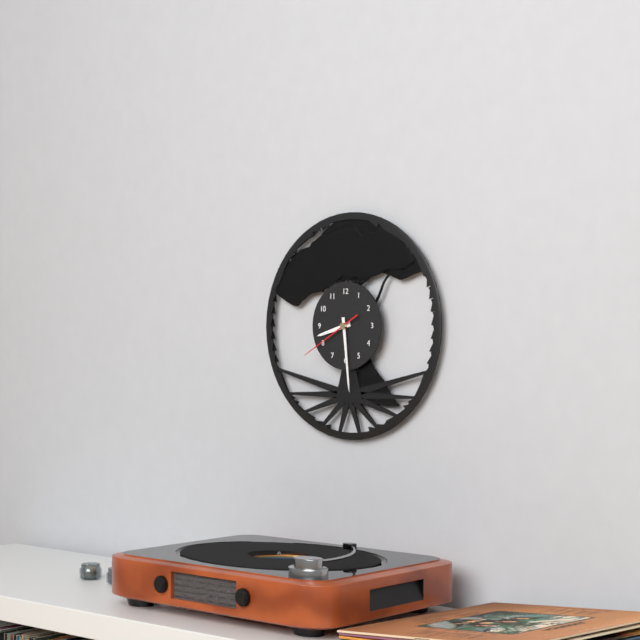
8 h 29 min 40 s
